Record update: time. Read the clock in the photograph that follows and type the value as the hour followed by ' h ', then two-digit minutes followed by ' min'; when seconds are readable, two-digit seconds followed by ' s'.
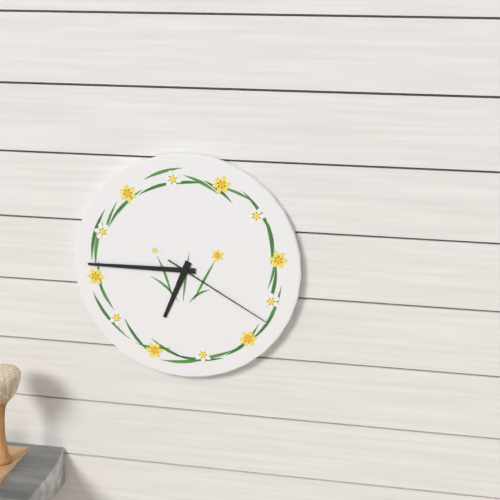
6 h 45 min 20 s
